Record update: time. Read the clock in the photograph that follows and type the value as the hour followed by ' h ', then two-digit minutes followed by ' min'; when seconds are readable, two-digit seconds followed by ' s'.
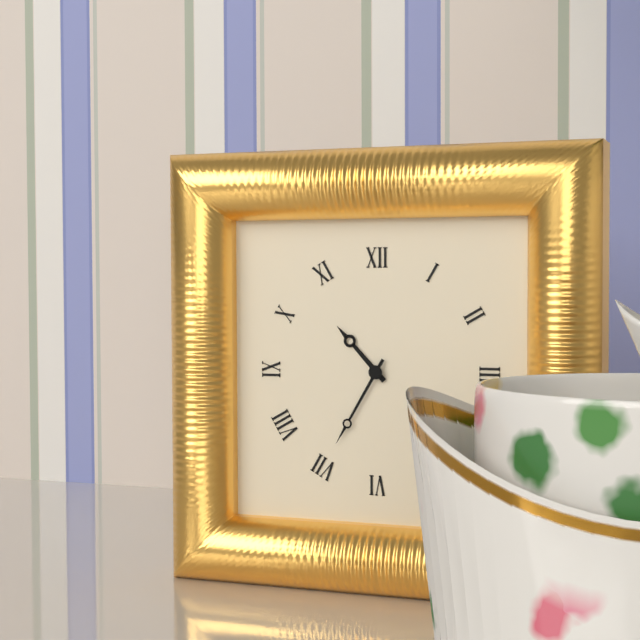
10 h 35 min
